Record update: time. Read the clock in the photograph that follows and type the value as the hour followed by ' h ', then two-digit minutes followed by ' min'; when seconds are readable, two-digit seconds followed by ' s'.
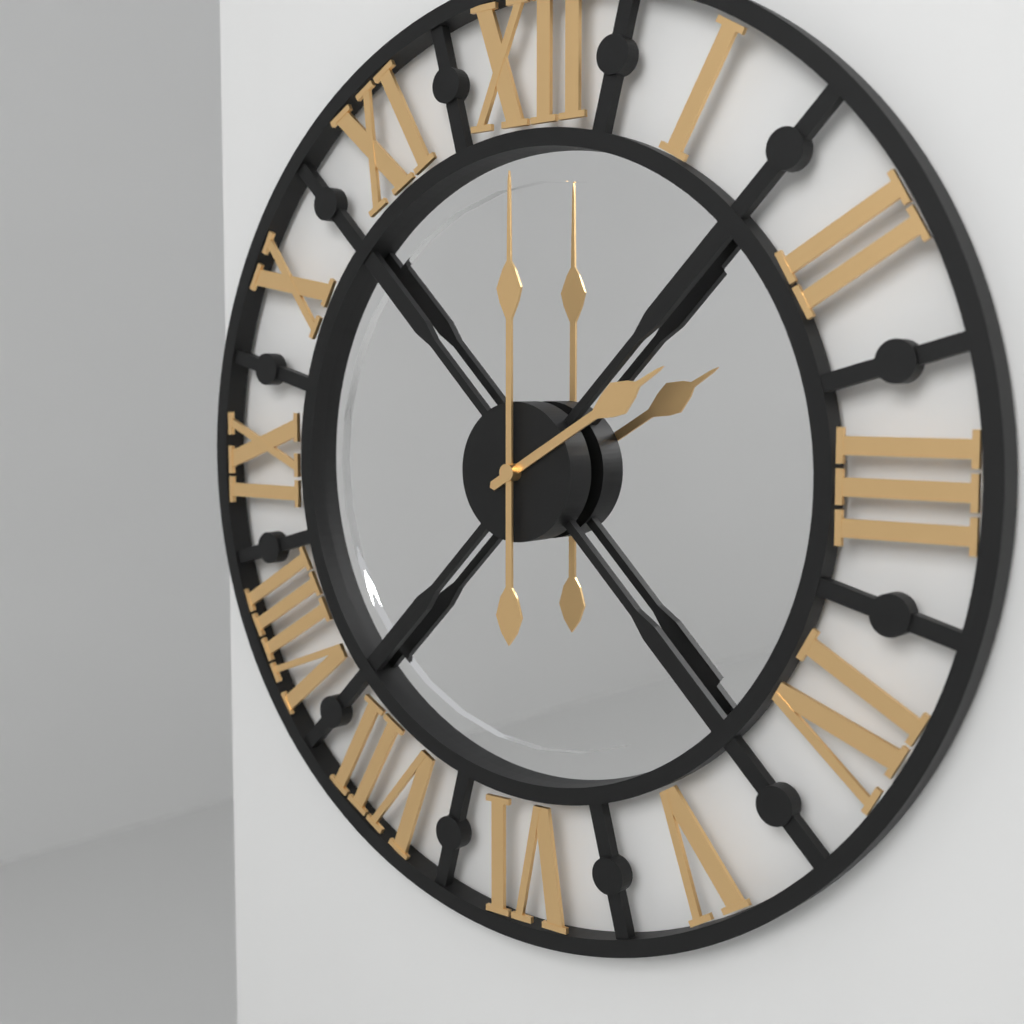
2 h 00 min
